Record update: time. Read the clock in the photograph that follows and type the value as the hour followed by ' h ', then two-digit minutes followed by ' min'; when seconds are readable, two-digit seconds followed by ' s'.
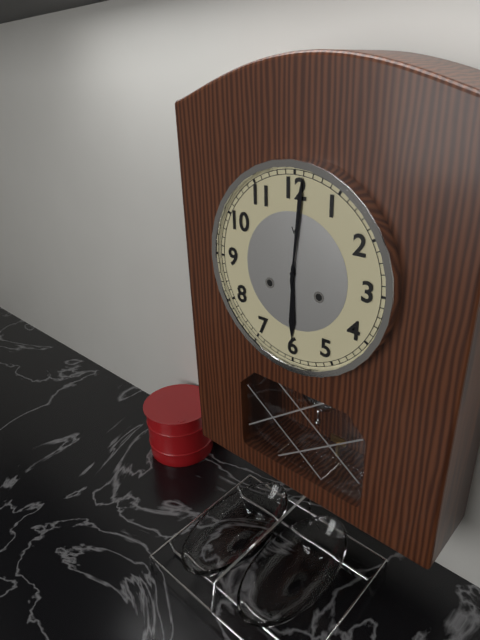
6 h 01 min
